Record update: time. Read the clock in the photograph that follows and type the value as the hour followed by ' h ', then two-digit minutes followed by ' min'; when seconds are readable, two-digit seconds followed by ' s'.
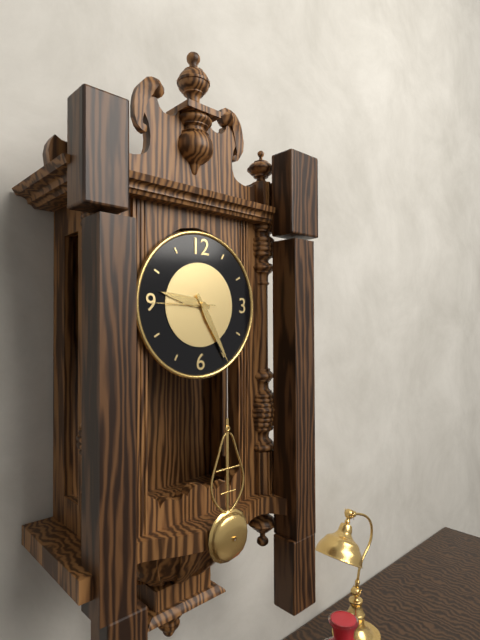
9 h 25 min 45 s
